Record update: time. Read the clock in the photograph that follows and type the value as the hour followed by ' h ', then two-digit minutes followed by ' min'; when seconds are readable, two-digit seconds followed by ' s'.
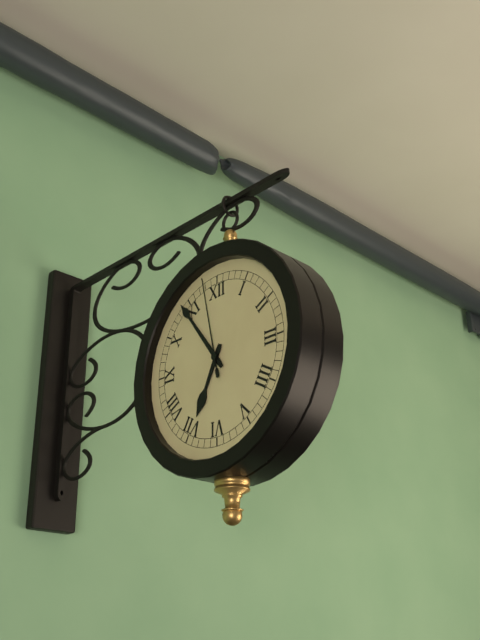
6 h 54 min 58 s
